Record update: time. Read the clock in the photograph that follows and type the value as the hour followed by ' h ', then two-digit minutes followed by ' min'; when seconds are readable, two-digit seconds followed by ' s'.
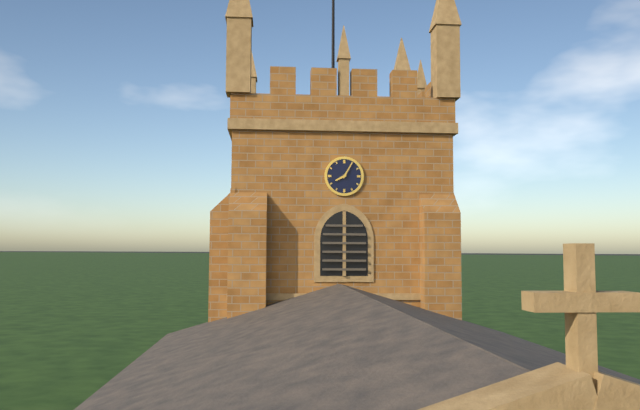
8 h 05 min
